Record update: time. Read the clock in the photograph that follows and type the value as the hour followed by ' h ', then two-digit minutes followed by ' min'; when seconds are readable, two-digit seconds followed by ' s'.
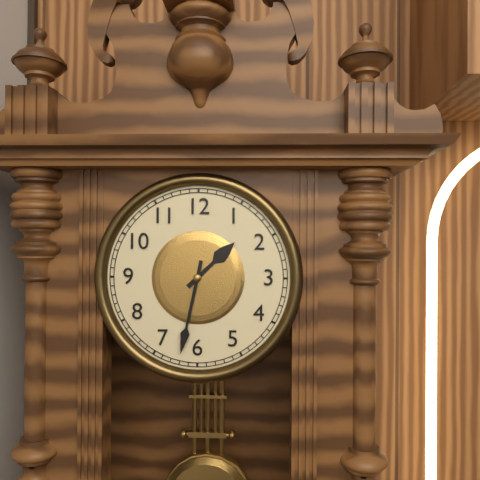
1 h 32 min
